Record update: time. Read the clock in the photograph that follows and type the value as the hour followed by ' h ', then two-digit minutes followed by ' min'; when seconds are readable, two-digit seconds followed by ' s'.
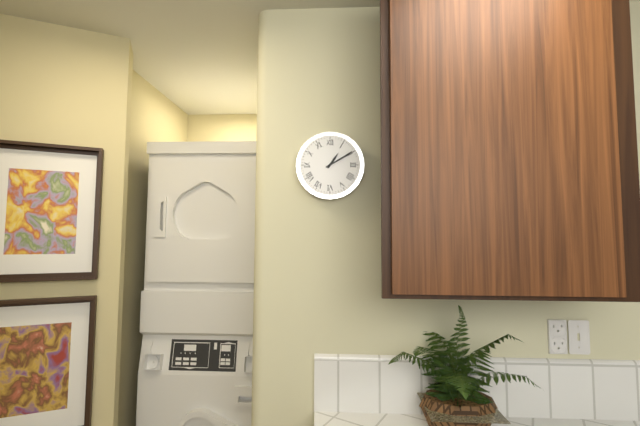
1 h 10 min
